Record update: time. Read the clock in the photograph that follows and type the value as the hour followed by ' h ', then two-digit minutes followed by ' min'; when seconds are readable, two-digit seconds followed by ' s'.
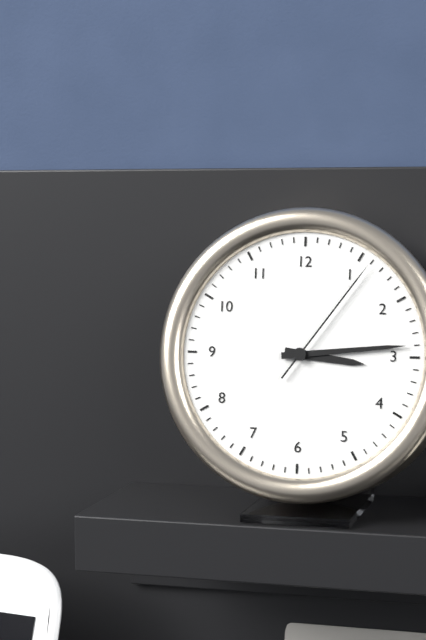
3 h 14 min 06 s
